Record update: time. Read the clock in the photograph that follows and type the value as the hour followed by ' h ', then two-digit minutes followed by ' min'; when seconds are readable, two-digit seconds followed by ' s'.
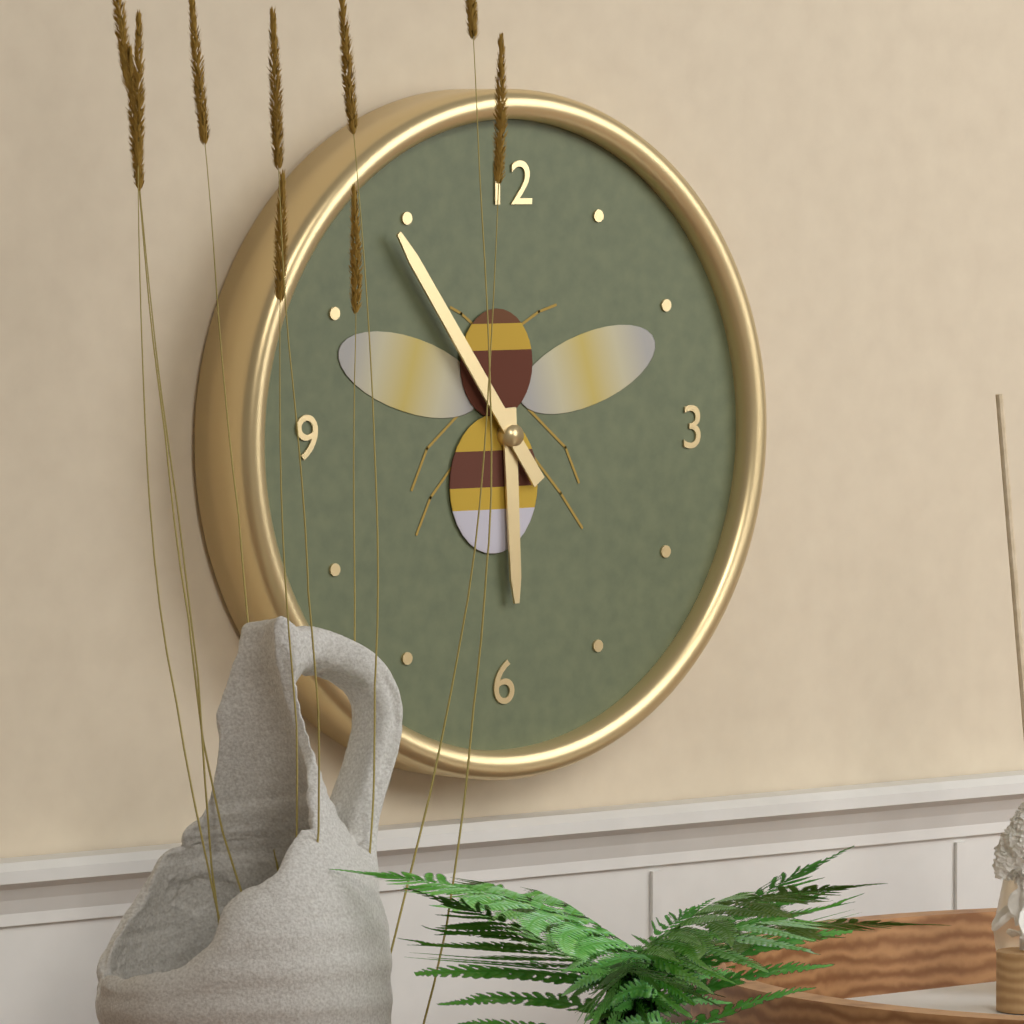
5 h 54 min
